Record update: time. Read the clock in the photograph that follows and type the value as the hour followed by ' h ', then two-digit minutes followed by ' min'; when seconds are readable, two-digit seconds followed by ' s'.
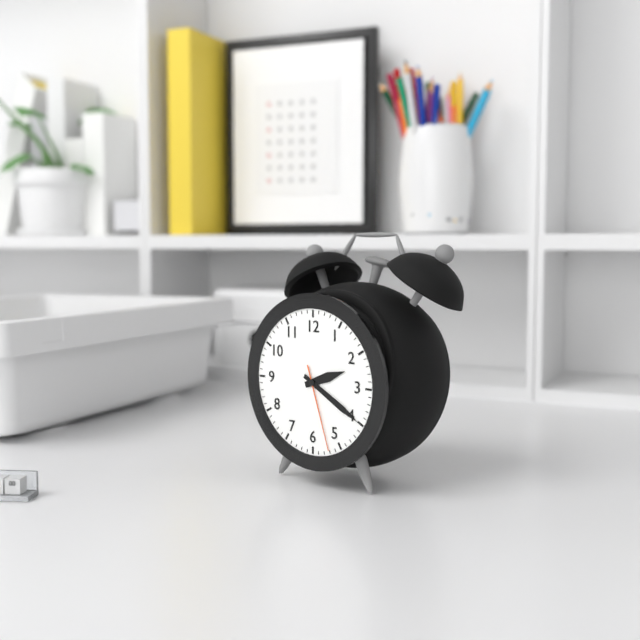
2 h 20 min 27 s
